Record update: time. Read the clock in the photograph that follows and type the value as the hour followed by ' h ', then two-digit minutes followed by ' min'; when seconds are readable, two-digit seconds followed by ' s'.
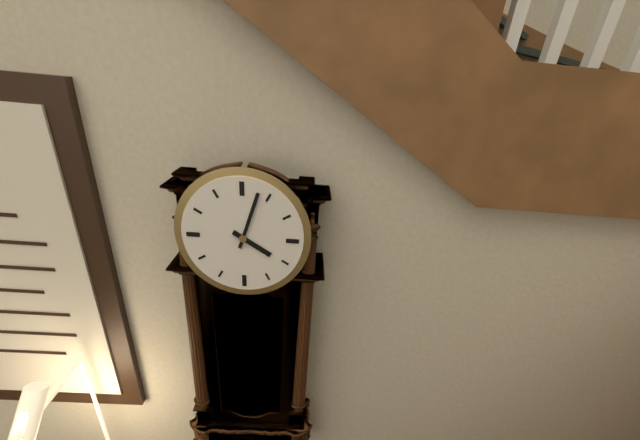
4 h 03 min
